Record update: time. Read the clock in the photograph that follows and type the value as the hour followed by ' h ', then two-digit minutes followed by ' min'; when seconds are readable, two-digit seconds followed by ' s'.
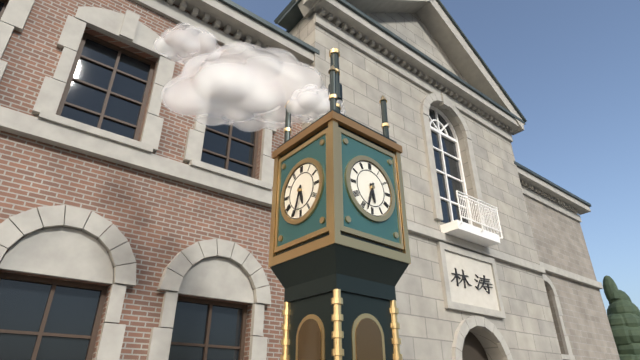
5 h 33 min
